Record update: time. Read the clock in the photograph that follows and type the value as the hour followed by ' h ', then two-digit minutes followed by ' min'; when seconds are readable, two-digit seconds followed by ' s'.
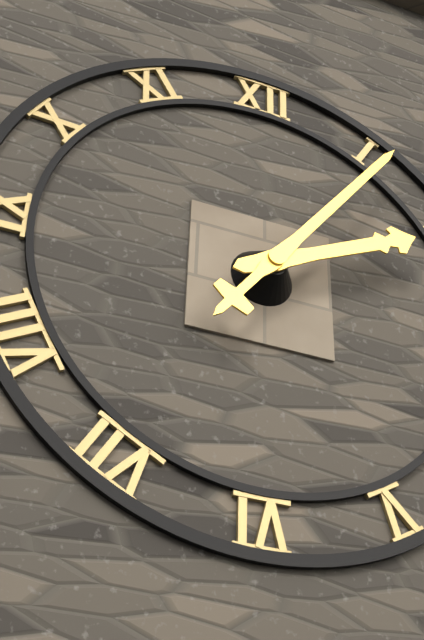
2 h 06 min
